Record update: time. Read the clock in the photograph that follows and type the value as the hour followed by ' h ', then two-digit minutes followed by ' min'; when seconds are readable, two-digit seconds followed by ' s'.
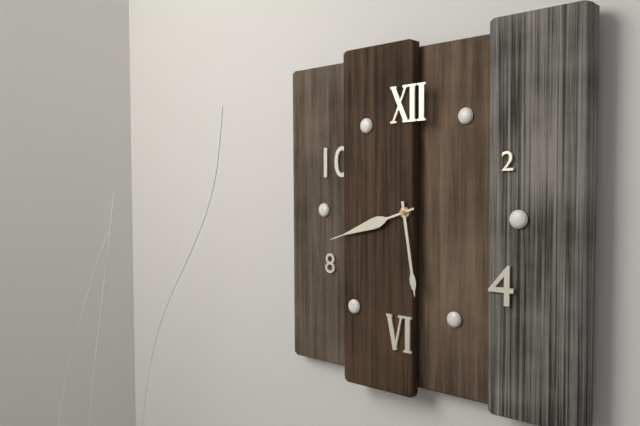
5 h 42 min
